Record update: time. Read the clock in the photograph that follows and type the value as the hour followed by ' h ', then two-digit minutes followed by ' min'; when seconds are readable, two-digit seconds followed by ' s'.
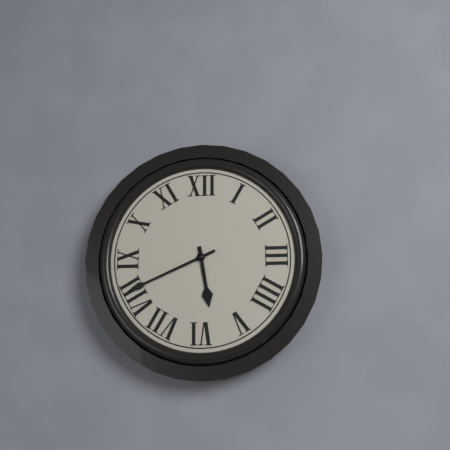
5 h 41 min
